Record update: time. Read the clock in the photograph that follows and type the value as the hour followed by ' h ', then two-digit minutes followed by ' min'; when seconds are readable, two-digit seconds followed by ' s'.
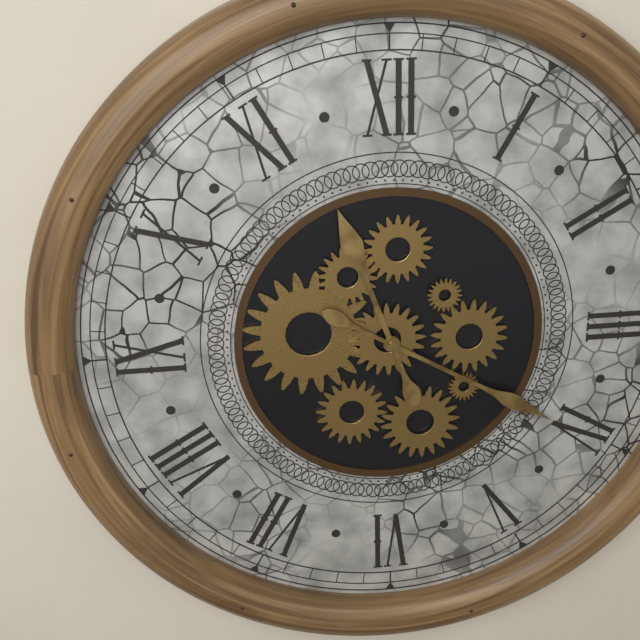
11 h 20 min
